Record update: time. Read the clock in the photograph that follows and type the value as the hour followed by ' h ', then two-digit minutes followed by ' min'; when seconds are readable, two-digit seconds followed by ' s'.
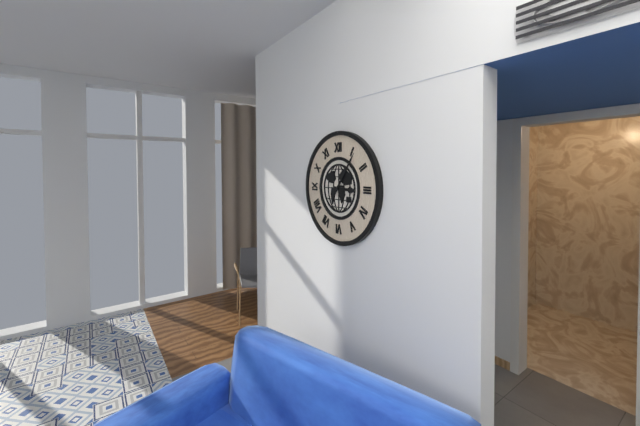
3 h 06 min
